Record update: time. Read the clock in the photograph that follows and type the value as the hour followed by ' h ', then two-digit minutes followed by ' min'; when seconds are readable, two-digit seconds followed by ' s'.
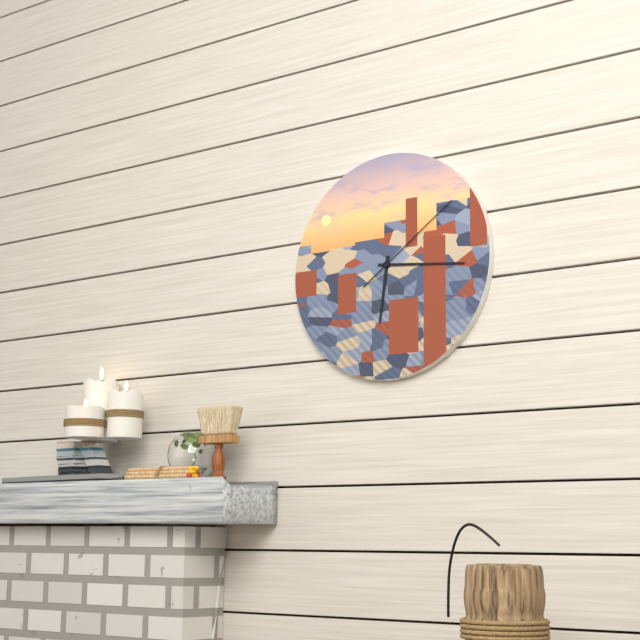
6 h 16 min 09 s
